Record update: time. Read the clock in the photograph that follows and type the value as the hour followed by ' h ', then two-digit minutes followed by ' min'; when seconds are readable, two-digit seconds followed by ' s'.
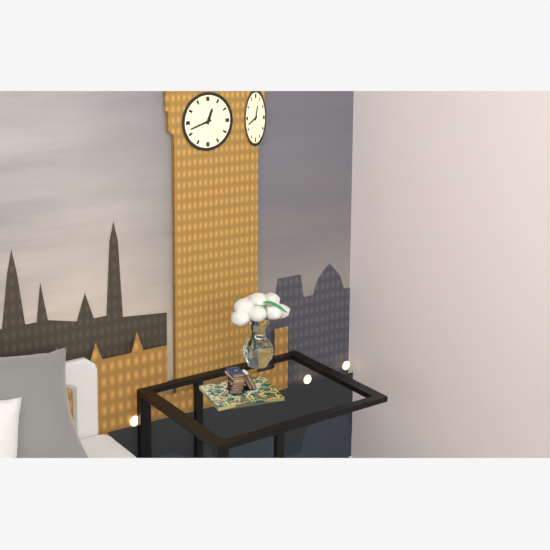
12 h 42 min
